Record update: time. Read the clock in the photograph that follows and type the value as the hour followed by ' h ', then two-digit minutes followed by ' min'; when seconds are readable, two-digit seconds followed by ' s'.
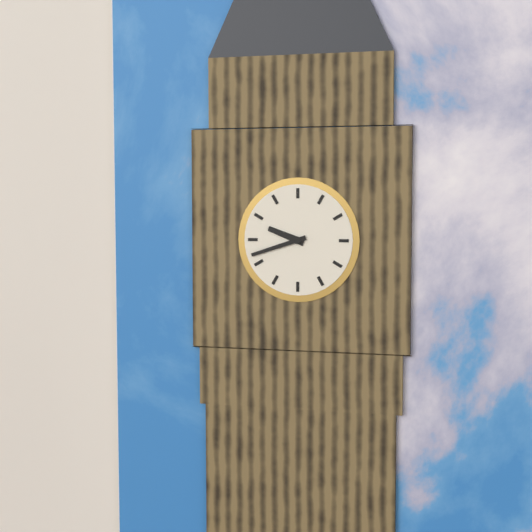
9 h 42 min
